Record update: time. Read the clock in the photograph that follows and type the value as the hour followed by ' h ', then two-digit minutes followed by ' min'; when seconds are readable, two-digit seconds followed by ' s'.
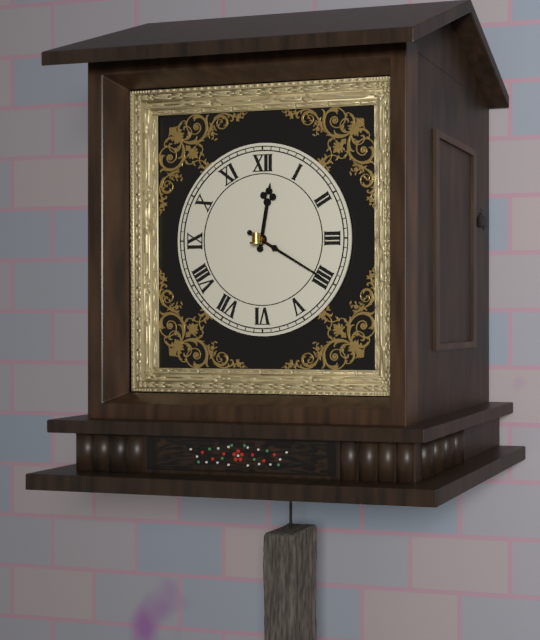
12 h 20 min
